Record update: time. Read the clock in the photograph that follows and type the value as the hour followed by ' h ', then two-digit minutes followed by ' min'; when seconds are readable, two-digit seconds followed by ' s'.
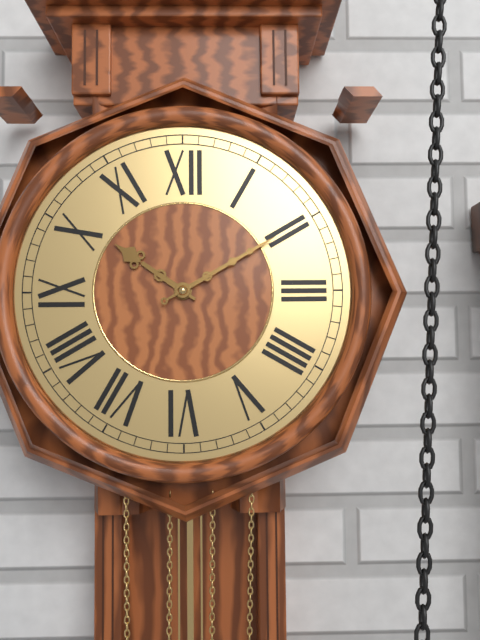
10 h 10 min
